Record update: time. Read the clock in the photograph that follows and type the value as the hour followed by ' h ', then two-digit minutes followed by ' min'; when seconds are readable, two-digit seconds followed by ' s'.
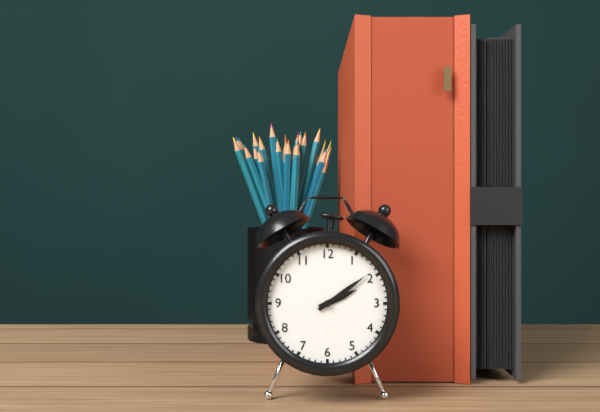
2 h 09 min
